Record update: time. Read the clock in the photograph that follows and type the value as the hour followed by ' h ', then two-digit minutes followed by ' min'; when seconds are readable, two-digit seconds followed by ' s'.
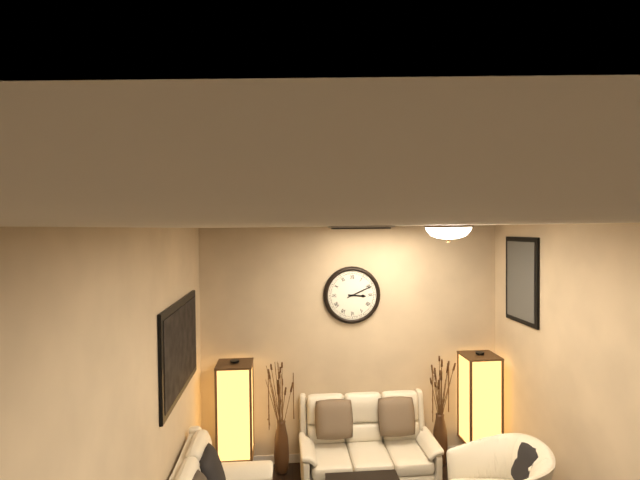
3 h 11 min
